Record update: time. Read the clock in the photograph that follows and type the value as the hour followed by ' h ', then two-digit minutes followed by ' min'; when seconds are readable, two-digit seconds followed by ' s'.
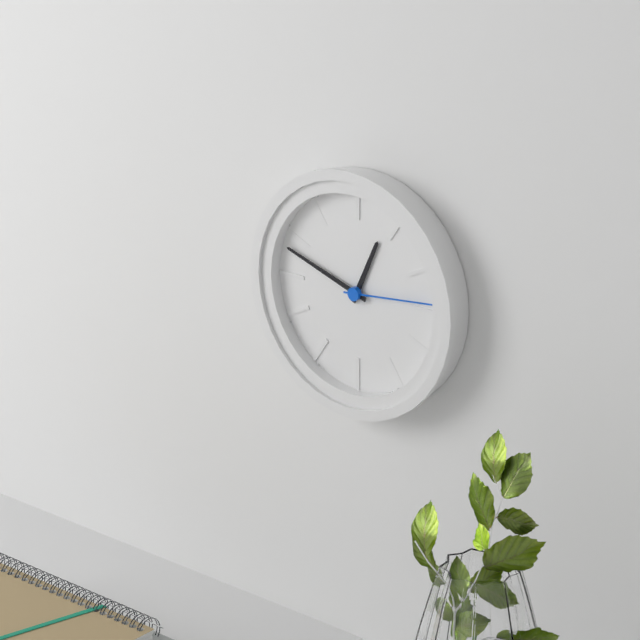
12 h 48 min 14 s
